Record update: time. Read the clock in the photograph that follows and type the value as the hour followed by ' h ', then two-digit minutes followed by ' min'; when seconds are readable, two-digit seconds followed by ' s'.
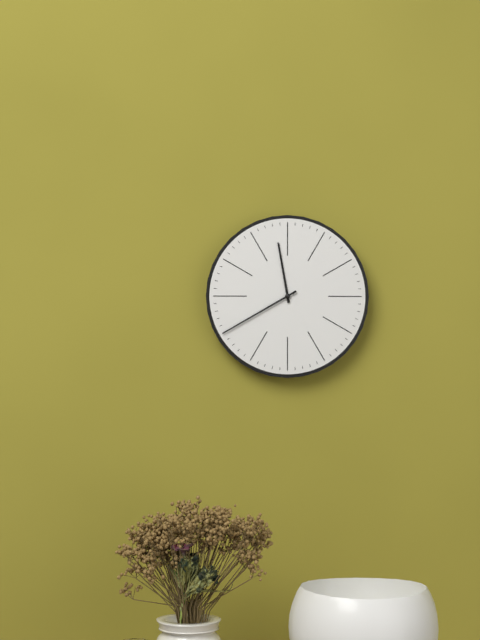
11 h 40 min
